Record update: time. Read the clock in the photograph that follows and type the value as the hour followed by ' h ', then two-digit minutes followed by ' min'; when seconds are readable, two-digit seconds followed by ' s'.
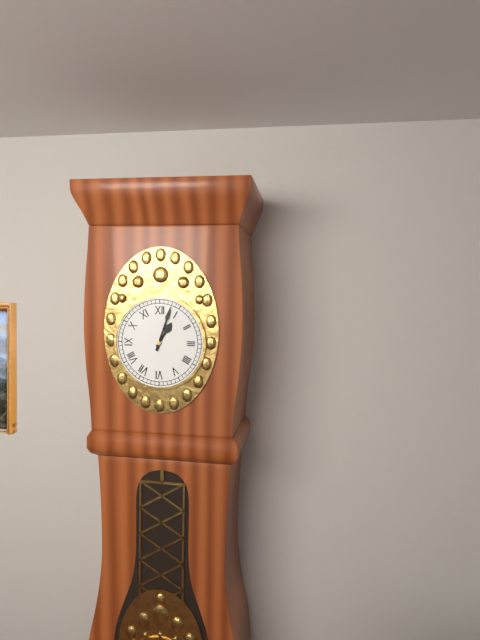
1 h 03 min
